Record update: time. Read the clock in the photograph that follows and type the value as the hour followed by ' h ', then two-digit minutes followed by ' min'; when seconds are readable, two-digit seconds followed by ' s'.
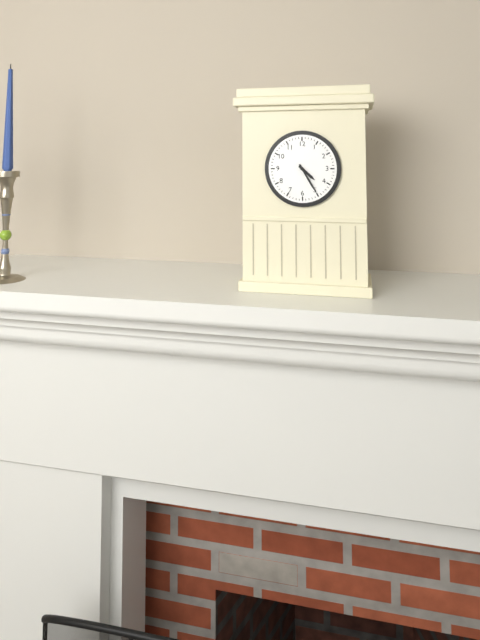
4 h 25 min
